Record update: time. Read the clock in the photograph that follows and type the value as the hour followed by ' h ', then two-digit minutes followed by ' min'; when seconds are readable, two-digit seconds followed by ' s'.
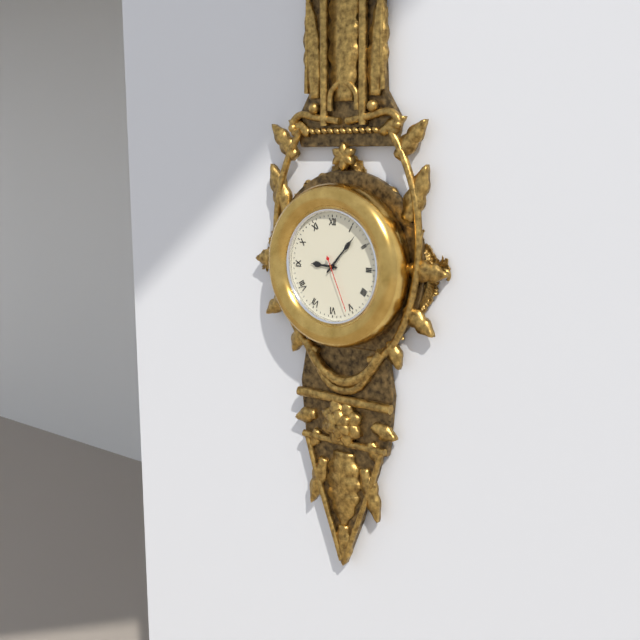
9 h 07 min 26 s
